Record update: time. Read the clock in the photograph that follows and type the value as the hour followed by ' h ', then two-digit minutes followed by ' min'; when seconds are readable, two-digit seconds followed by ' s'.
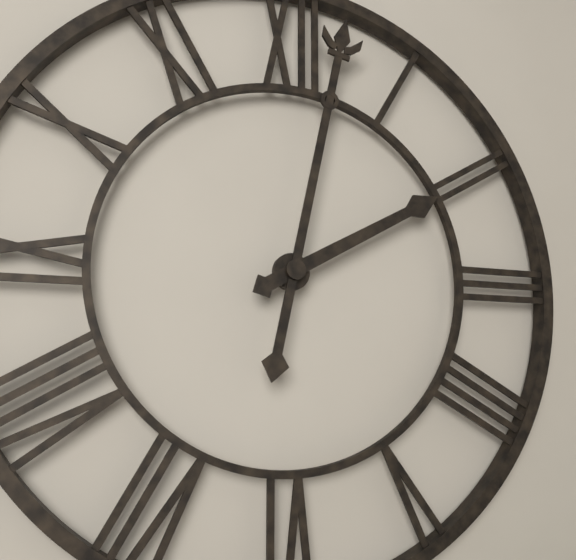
2 h 02 min
